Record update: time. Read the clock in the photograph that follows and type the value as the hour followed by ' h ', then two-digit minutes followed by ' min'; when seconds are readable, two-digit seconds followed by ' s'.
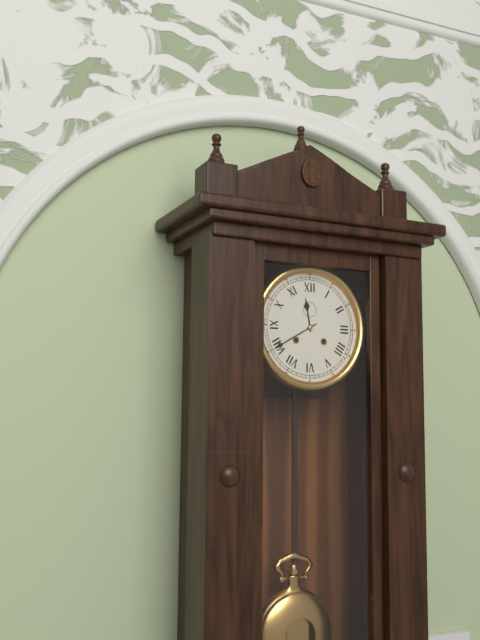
11 h 40 min
